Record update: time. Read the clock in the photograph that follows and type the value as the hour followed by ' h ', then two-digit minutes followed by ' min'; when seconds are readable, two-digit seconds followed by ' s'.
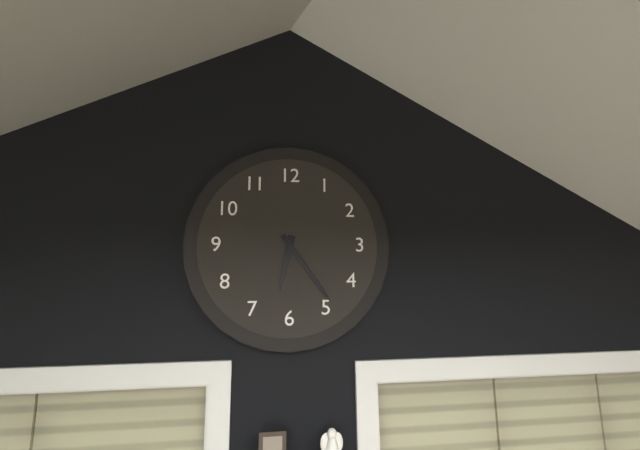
6 h 24 min
